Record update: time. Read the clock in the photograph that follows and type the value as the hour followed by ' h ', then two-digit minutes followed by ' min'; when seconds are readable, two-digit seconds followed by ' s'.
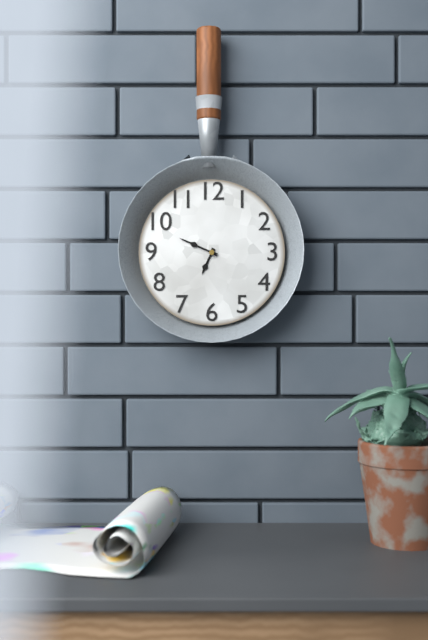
6 h 49 min
